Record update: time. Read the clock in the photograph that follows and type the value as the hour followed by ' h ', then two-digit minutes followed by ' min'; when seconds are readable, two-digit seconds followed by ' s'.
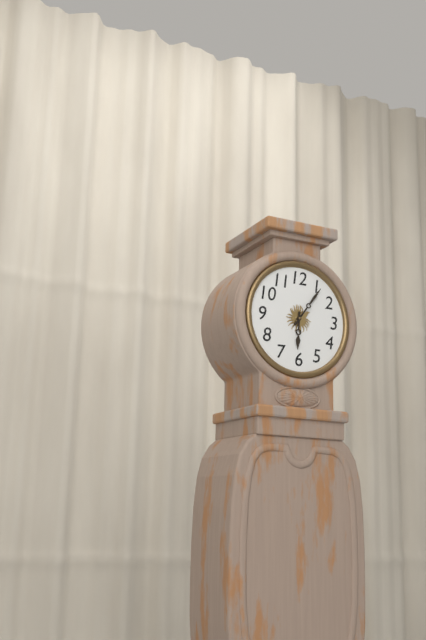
6 h 06 min
